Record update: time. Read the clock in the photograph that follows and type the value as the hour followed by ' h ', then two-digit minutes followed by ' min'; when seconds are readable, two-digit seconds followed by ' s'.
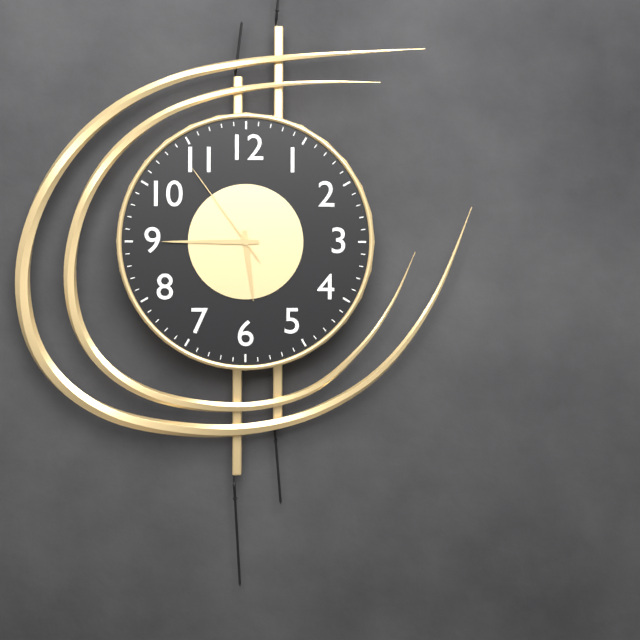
5 h 45 min 54 s
